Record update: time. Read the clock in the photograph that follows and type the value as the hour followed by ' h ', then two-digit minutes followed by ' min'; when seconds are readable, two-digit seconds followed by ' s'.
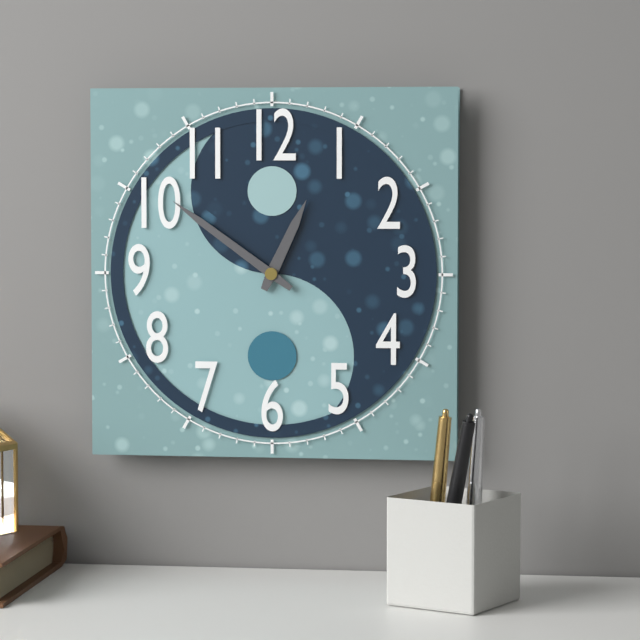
12 h 51 min
